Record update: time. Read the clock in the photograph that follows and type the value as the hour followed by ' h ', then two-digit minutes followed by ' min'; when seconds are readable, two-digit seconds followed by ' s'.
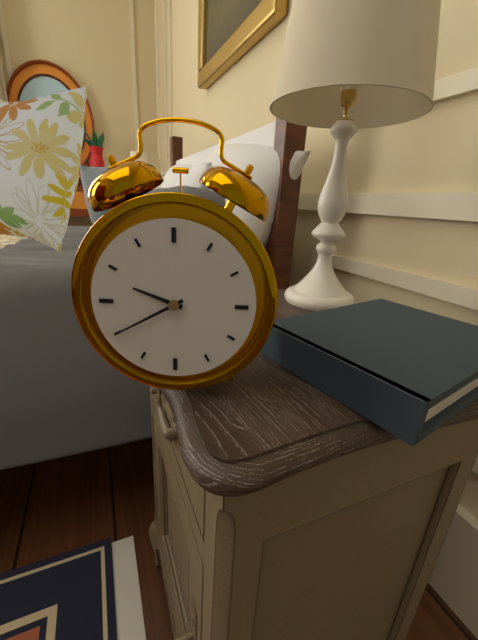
9 h 40 min
